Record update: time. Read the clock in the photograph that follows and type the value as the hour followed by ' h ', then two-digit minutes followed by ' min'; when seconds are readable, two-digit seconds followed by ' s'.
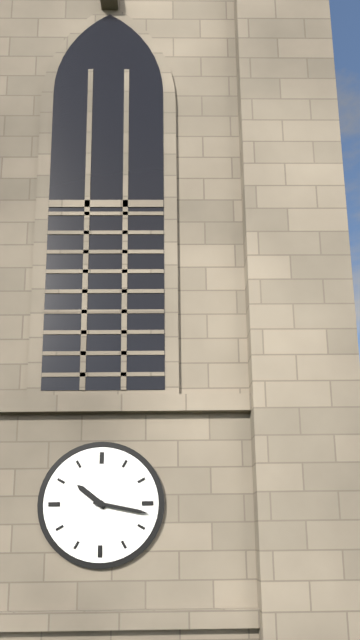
10 h 17 min
